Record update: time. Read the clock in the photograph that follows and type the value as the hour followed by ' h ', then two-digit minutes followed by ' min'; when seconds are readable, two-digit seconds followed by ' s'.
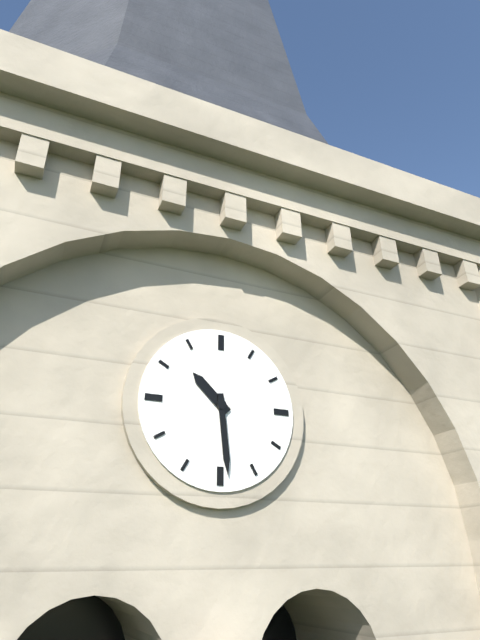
10 h 29 min
